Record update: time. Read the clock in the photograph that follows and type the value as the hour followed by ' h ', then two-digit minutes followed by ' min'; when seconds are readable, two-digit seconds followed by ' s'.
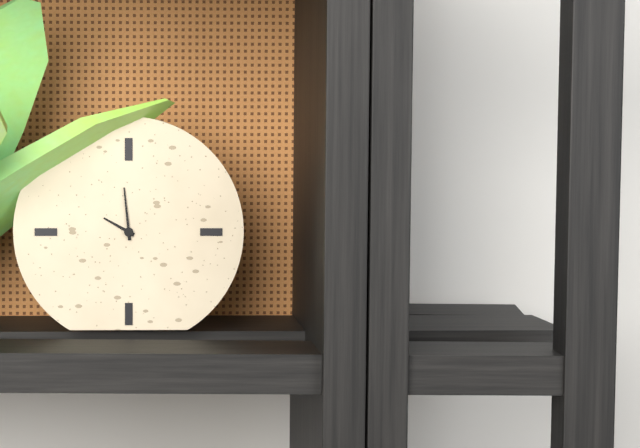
9 h 59 min
